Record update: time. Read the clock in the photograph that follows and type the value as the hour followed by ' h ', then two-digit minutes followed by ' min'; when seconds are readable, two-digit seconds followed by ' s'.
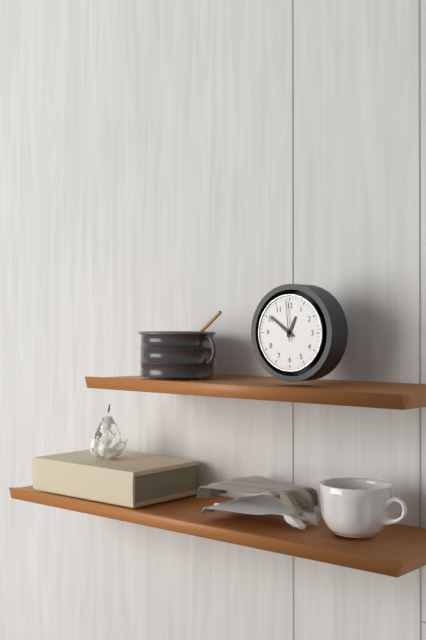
12 h 51 min
